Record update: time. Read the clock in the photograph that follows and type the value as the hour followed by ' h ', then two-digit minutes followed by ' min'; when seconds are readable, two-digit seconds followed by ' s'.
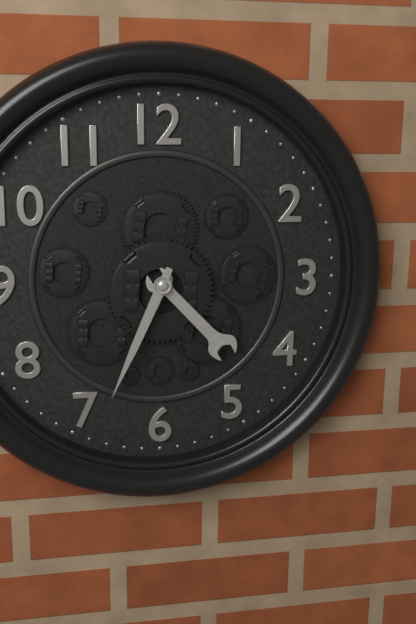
4 h 34 min
